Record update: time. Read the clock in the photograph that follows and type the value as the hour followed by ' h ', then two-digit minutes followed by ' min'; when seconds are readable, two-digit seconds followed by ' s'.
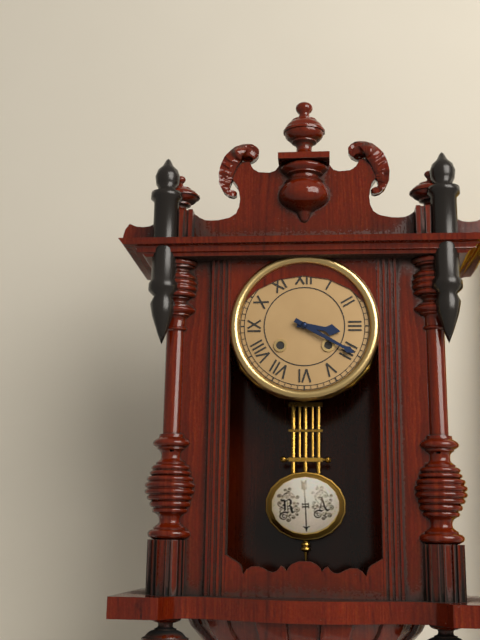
3 h 20 min
